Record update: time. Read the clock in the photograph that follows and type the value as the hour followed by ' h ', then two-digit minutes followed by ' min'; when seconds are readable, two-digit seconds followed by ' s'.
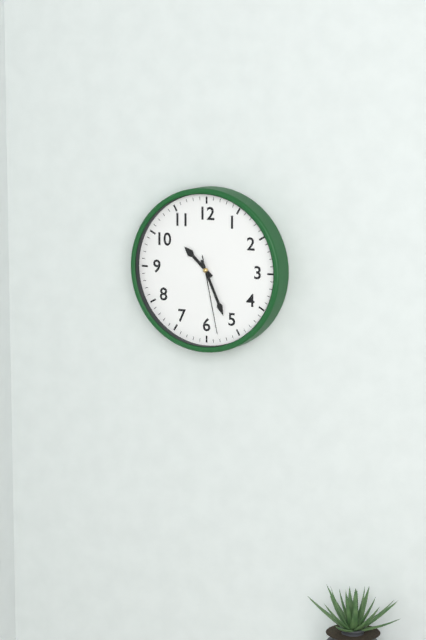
10 h 26 min 28 s
